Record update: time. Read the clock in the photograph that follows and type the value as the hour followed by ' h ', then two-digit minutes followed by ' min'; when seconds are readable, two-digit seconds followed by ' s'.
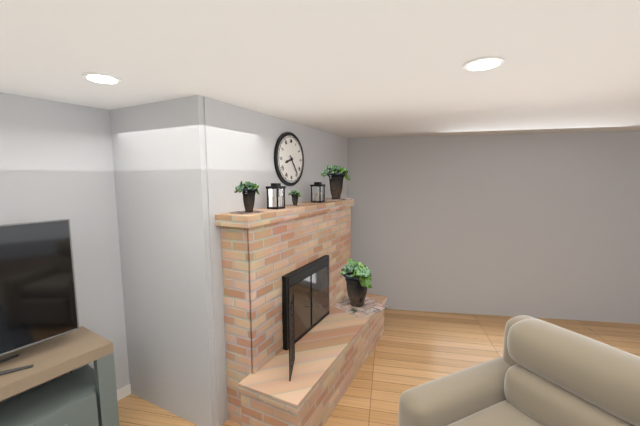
8 h 24 min
